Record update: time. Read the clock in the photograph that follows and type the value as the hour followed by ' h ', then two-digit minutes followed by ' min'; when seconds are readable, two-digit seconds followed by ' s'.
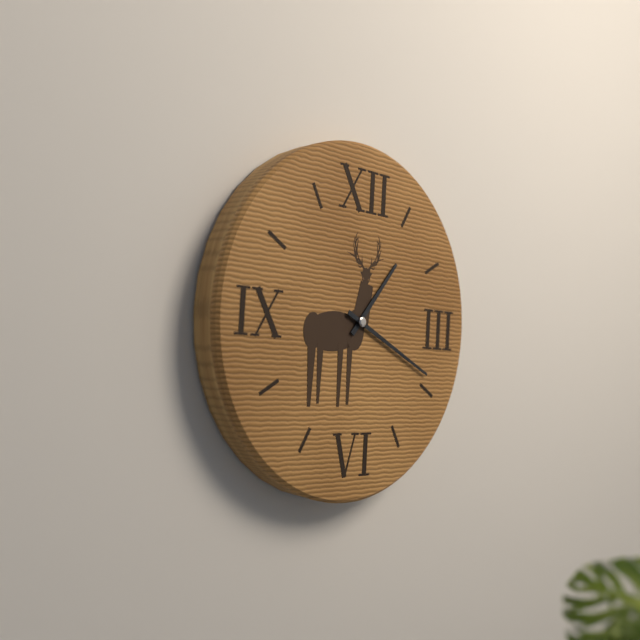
1 h 19 min
